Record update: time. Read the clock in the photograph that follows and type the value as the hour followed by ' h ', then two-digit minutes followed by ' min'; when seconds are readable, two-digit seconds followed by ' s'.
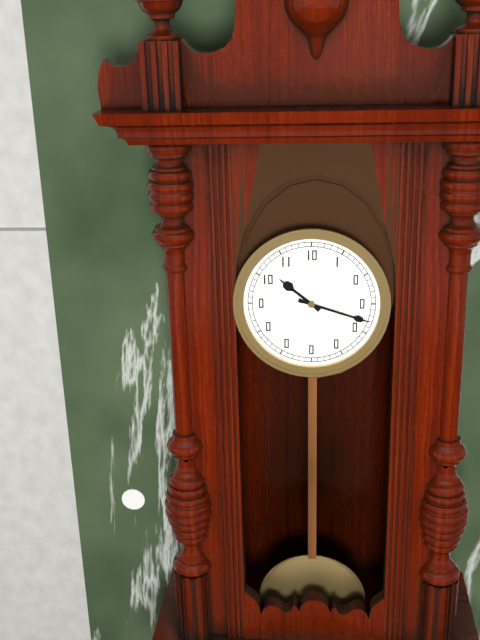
10 h 18 min
